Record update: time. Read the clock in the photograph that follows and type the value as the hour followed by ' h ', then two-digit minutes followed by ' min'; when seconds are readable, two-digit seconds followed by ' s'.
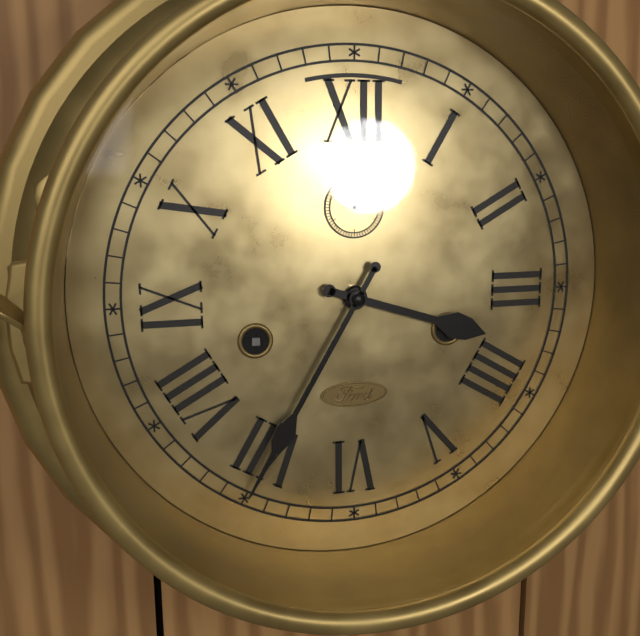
3 h 35 min
